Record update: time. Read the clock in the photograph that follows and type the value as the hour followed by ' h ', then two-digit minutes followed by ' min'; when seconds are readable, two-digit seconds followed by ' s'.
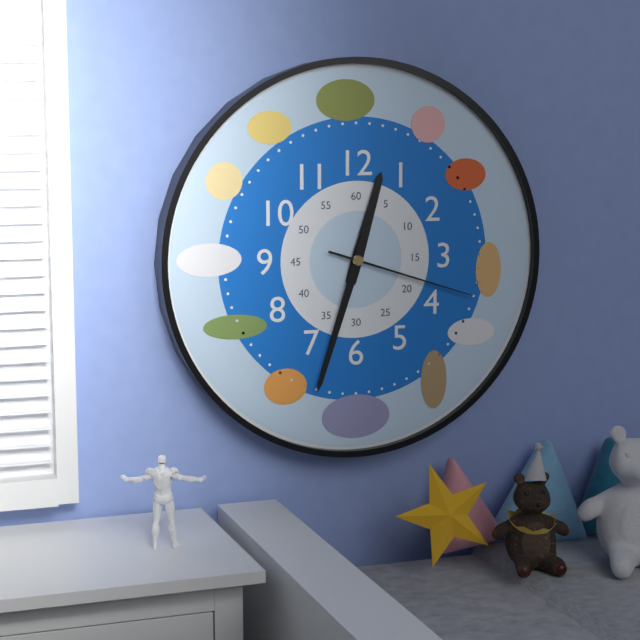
12 h 33 min 18 s
